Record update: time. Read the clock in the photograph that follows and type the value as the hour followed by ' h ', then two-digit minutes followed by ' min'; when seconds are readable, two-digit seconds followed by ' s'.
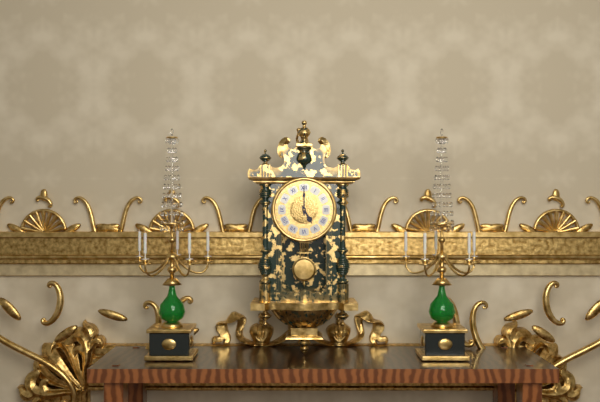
5 h 00 min
